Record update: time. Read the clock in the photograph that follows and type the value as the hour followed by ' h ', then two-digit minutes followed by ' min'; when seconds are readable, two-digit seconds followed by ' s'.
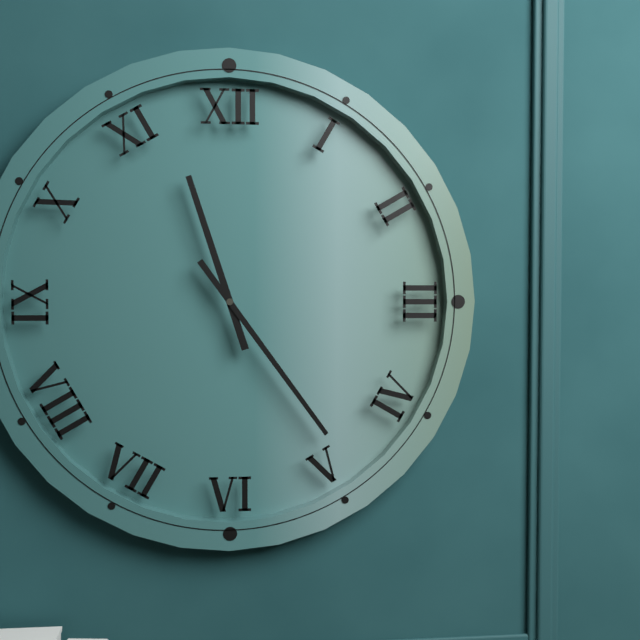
11 h 24 min
